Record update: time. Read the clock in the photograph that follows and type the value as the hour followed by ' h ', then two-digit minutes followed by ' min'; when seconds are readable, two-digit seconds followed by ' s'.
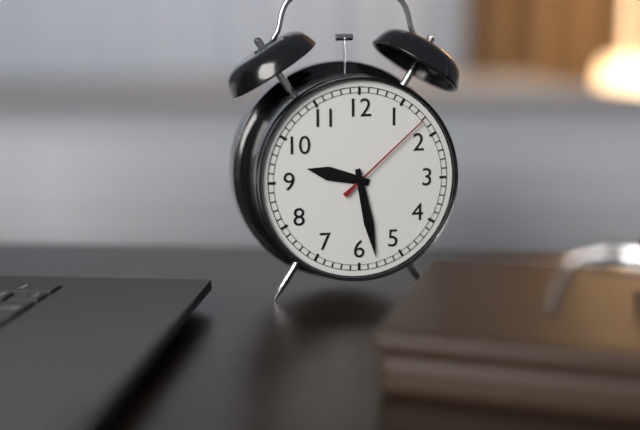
9 h 28 min 08 s
